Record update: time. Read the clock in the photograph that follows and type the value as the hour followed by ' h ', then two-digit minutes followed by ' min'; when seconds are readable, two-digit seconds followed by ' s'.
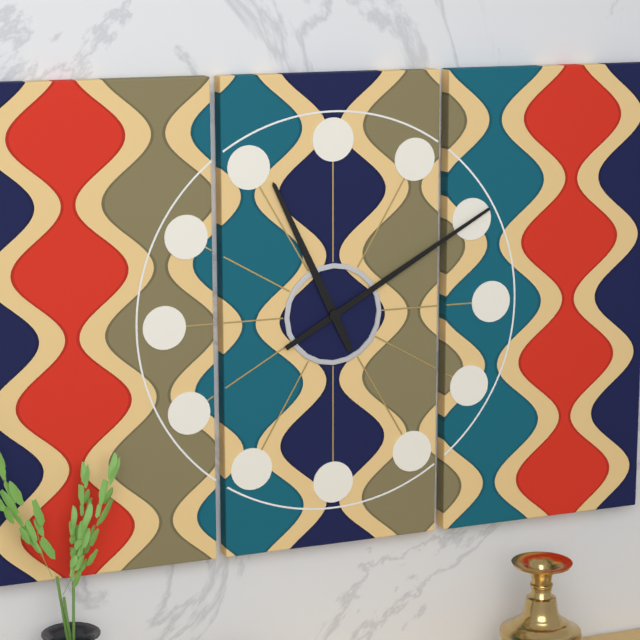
11 h 10 min
